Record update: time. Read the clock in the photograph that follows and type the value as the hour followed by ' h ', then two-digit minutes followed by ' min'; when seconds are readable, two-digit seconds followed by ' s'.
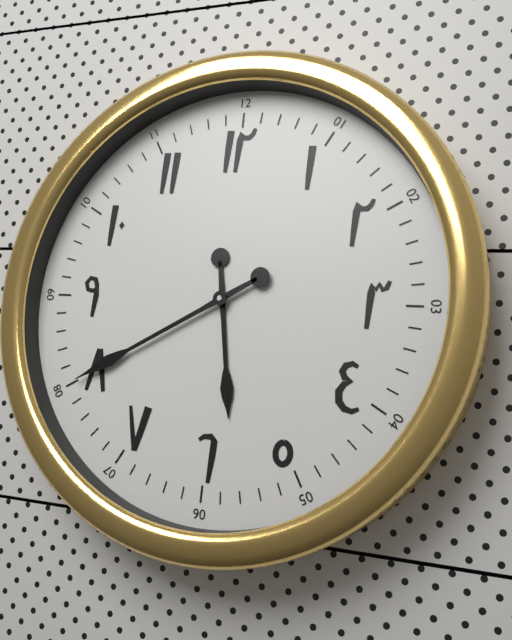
5 h 40 min
